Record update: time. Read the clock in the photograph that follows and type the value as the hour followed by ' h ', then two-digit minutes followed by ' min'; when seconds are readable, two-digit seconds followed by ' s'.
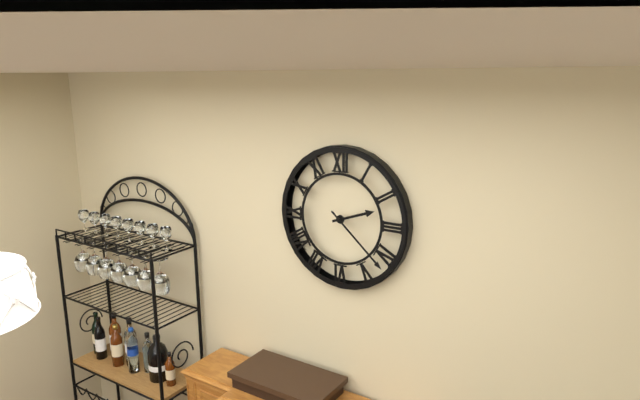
2 h 22 min
